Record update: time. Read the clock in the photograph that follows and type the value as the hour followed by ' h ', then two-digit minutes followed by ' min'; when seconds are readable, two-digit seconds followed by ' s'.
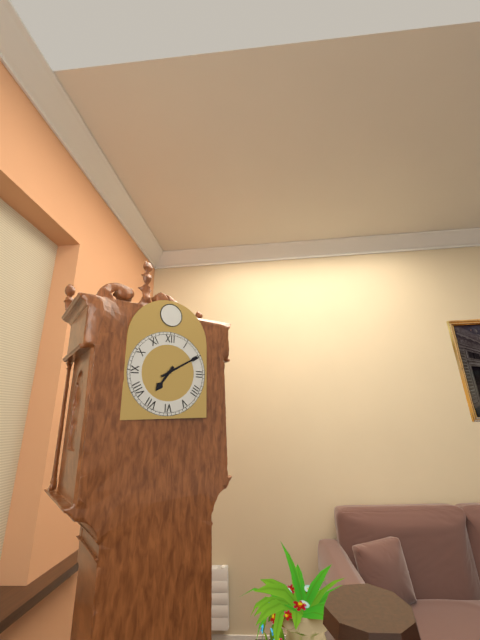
7 h 10 min
